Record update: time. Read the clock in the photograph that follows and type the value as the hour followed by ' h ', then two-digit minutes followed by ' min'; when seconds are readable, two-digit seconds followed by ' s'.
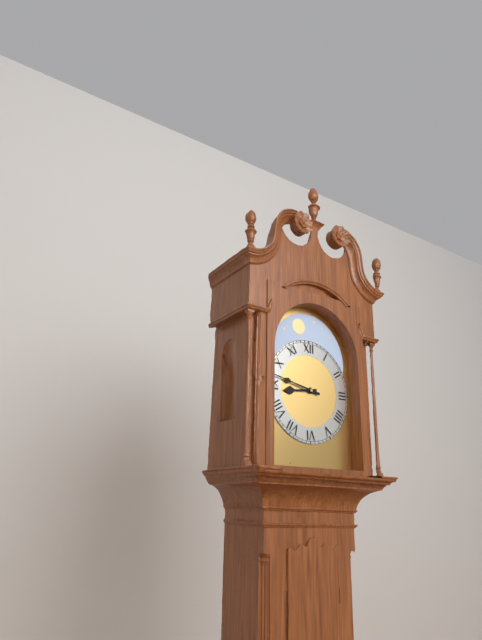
8 h 47 min
